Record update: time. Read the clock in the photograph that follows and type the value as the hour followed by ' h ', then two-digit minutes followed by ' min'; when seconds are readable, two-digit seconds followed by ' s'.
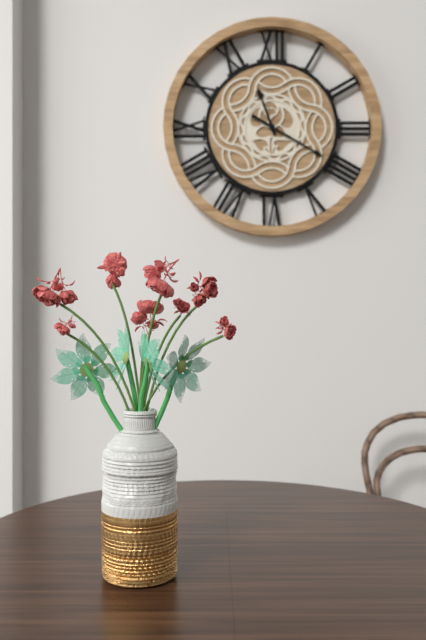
11 h 20 min
